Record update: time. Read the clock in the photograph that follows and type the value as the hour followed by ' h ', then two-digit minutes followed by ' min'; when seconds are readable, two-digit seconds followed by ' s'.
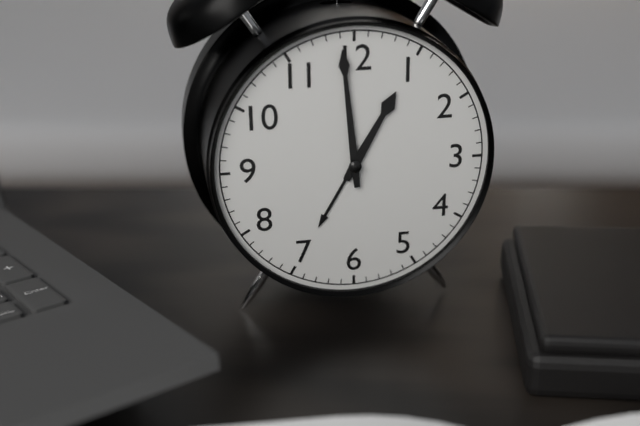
12 h 59 min
